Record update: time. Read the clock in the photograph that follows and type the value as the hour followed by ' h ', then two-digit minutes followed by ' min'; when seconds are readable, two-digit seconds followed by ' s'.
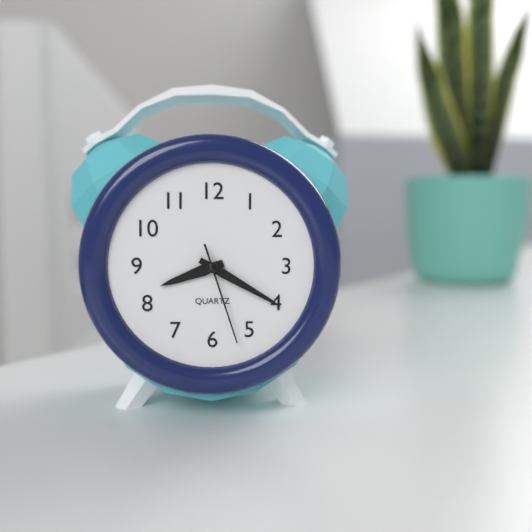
8 h 20 min 27 s
